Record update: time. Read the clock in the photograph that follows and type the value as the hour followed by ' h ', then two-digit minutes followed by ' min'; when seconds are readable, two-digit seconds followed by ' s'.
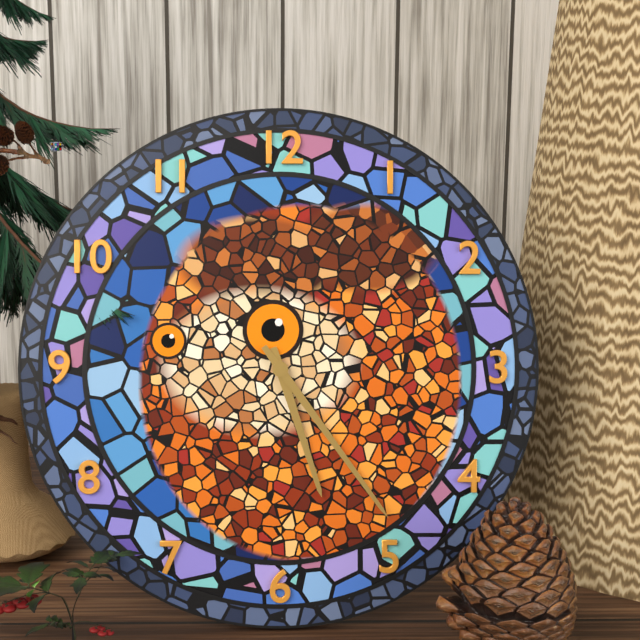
5 h 24 min
